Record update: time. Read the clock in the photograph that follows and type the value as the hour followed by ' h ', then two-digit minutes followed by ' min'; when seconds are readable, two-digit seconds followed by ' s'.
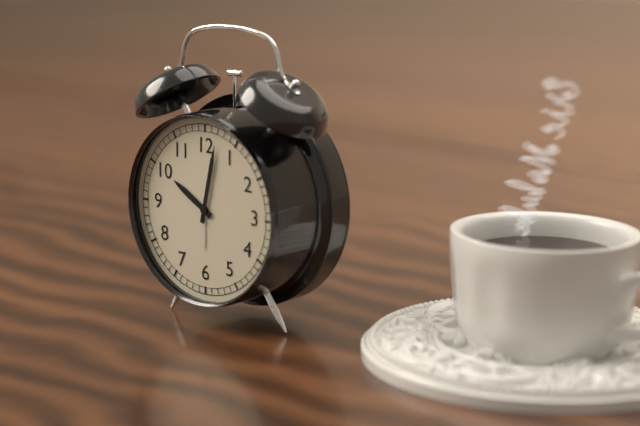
10 h 02 min
